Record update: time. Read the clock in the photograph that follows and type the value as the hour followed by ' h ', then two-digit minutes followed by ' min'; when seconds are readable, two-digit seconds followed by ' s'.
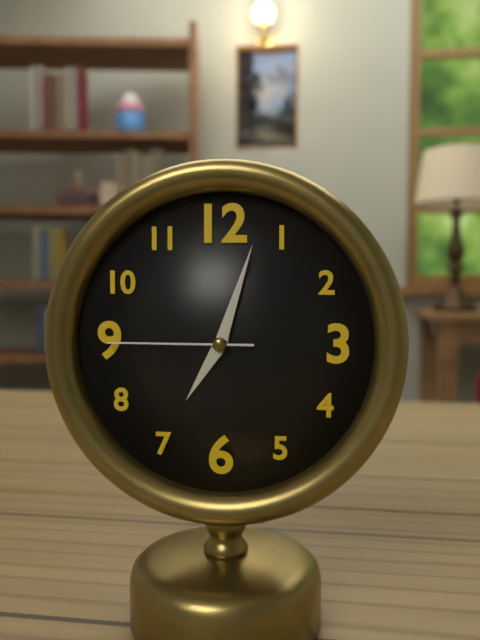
7 h 03 min 45 s
